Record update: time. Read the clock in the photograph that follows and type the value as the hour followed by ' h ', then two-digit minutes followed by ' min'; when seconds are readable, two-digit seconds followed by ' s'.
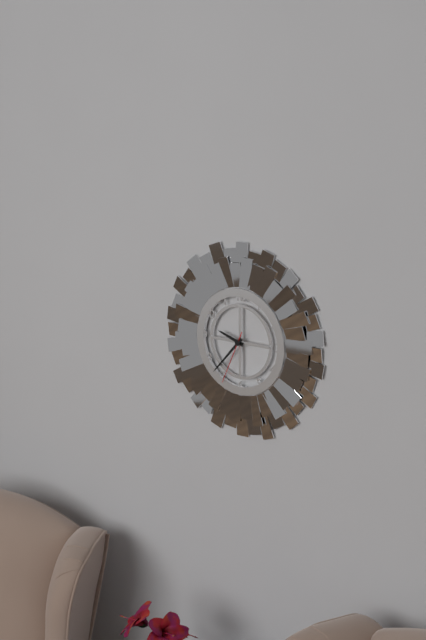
9 h 37 min 34 s
